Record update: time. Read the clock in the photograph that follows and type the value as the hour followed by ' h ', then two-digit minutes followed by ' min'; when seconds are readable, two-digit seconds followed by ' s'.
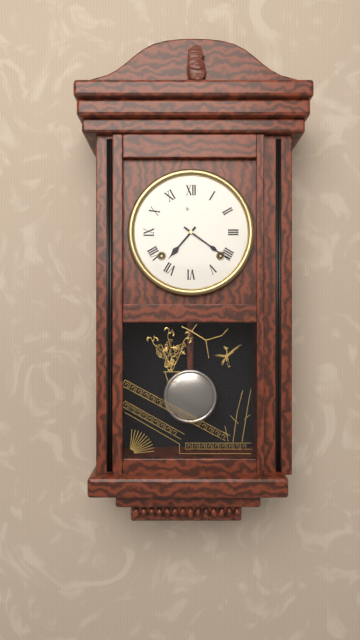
7 h 21 min
